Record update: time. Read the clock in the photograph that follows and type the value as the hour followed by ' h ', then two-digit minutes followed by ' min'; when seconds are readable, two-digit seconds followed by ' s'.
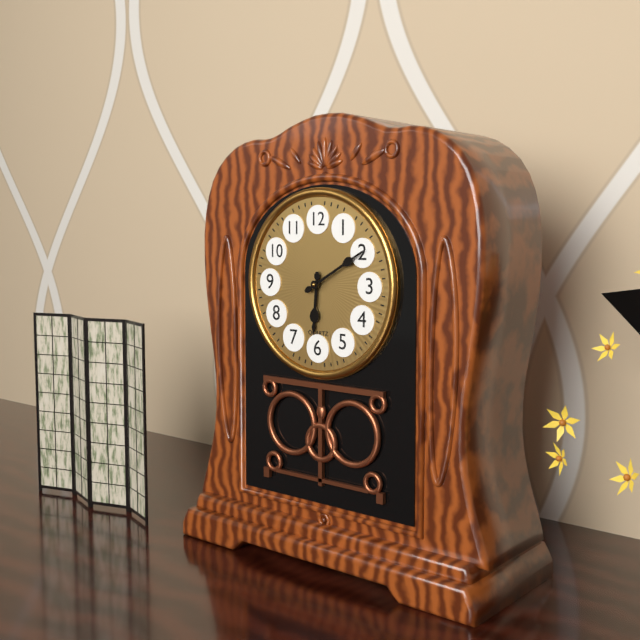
6 h 10 min
